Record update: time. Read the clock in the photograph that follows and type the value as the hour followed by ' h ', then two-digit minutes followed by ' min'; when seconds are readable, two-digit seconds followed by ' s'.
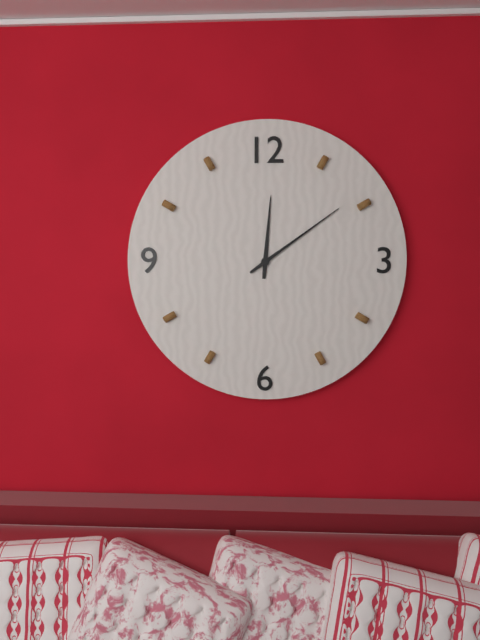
12 h 09 min
